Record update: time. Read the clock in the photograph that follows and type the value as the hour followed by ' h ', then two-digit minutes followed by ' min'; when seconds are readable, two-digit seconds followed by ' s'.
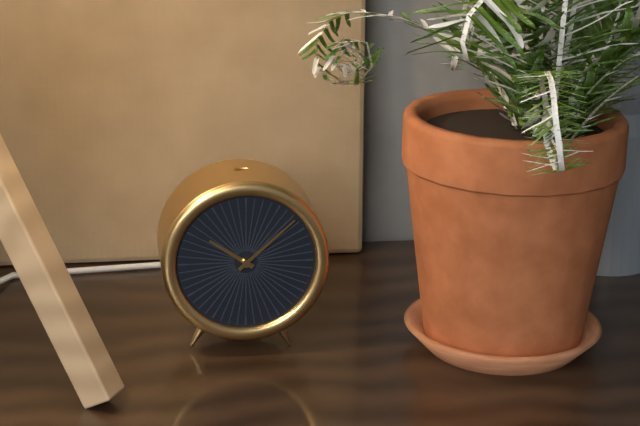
10 h 08 min
